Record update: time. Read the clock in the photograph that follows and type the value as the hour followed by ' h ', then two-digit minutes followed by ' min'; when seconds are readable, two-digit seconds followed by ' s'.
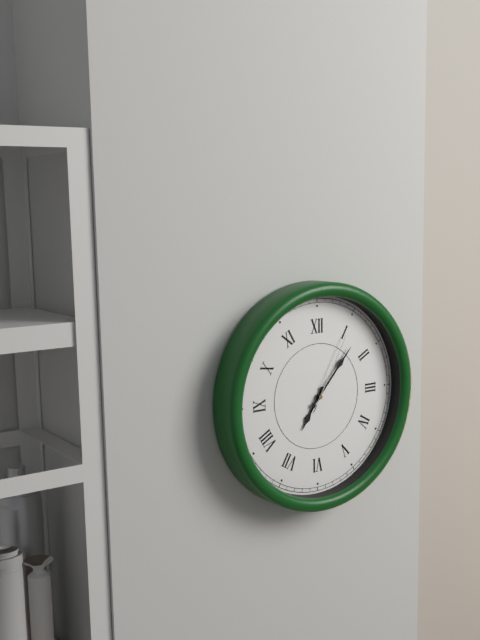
7 h 07 min 05 s
